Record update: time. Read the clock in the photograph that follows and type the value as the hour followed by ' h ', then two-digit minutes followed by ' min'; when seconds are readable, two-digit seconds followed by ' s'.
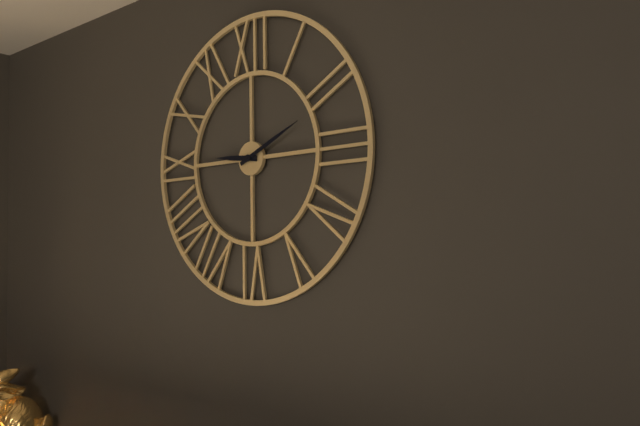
9 h 11 min
